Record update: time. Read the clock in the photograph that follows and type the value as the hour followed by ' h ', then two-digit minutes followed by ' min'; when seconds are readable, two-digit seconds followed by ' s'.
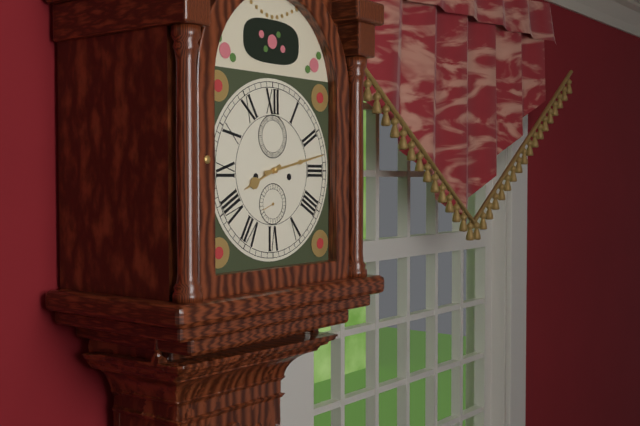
8 h 13 min
